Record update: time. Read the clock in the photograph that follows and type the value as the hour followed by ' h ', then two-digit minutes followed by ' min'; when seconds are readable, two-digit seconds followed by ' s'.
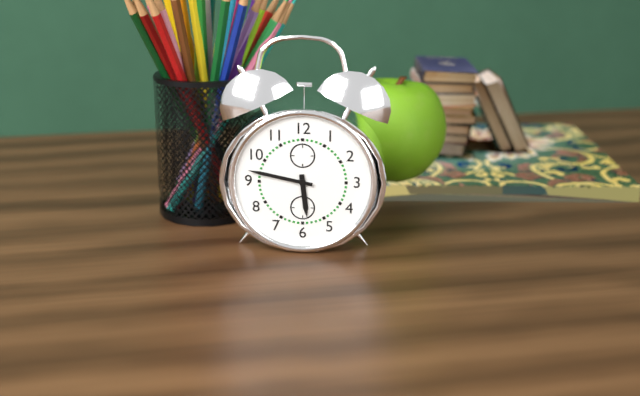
5 h 47 min
